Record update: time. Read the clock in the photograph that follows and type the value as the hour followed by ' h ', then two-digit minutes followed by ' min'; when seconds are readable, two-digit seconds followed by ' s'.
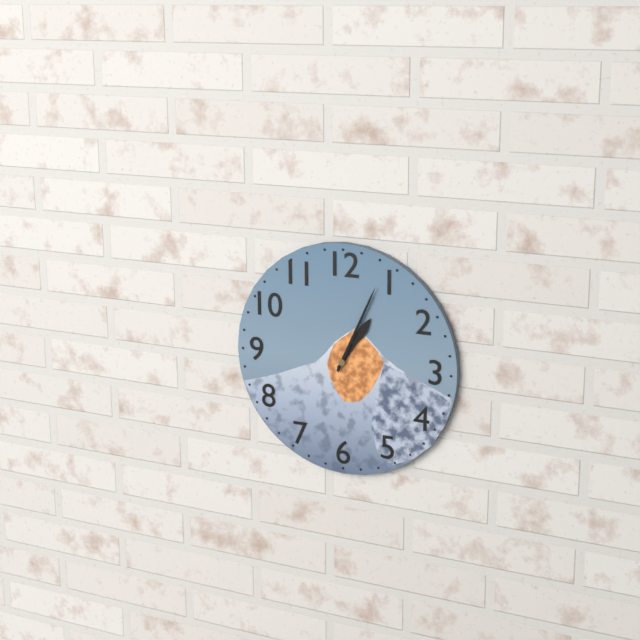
1 h 04 min
